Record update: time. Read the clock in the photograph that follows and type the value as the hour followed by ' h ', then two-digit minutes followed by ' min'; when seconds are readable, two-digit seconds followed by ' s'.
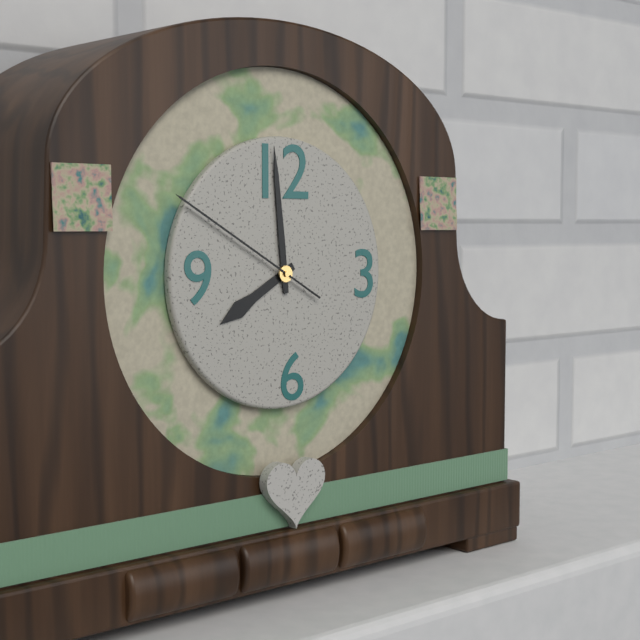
7 h 59 min 50 s
